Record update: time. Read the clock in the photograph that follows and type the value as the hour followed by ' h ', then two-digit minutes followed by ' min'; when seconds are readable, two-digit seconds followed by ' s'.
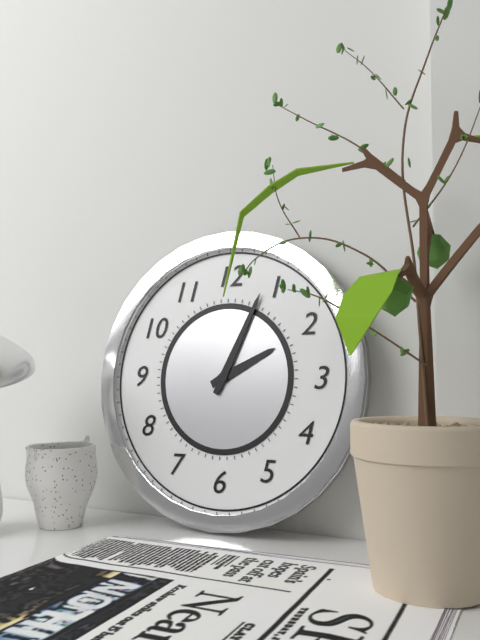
2 h 04 min
